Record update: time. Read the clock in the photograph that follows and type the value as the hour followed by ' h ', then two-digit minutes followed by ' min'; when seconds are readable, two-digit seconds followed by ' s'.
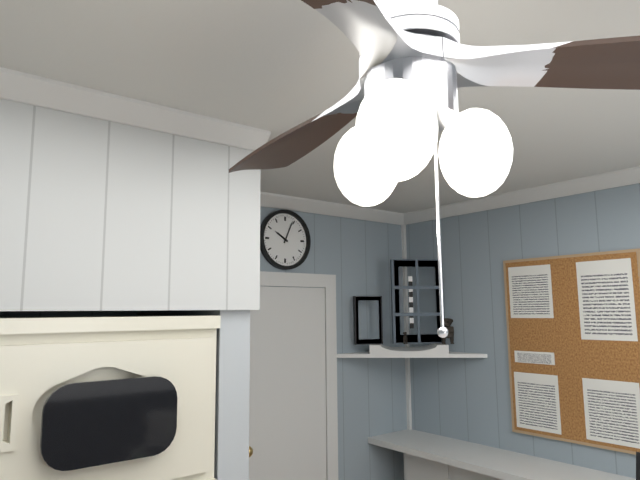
10 h 04 min
